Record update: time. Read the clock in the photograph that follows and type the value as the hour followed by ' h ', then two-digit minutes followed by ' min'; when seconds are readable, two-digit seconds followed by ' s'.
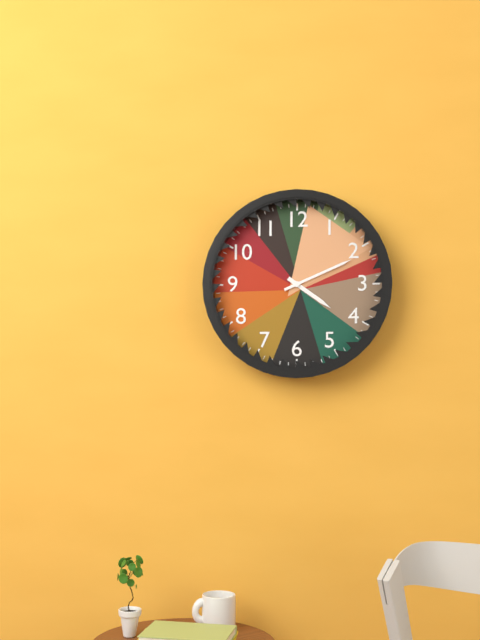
4 h 11 min
